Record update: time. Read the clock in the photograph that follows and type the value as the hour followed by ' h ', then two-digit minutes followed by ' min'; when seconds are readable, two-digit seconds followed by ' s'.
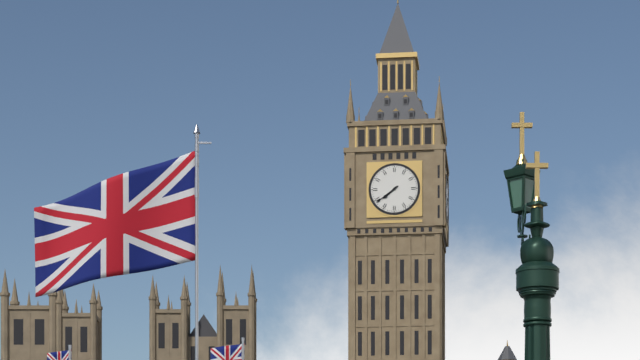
7 h 39 min
